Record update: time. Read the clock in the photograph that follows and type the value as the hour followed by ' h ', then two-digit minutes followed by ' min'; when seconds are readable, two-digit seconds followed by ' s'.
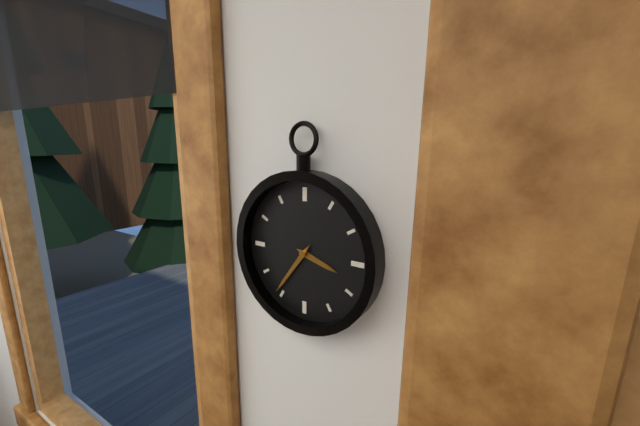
3 h 36 min
